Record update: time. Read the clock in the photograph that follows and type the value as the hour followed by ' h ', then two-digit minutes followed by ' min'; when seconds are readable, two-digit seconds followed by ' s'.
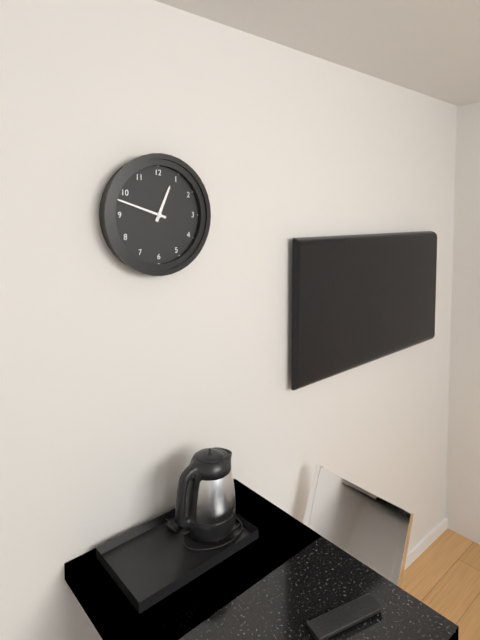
12 h 48 min
